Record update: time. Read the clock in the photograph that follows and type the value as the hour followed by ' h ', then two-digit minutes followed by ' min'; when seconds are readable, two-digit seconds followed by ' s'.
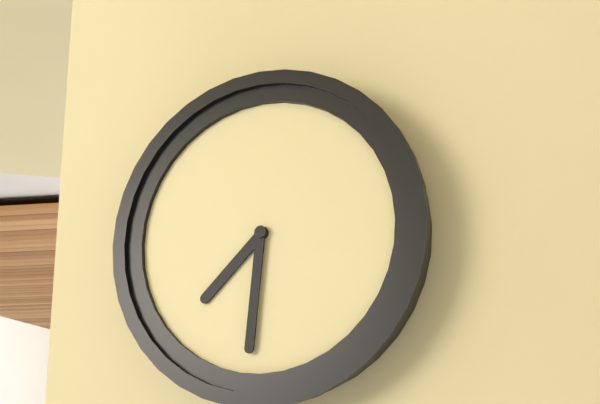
7 h 31 min
